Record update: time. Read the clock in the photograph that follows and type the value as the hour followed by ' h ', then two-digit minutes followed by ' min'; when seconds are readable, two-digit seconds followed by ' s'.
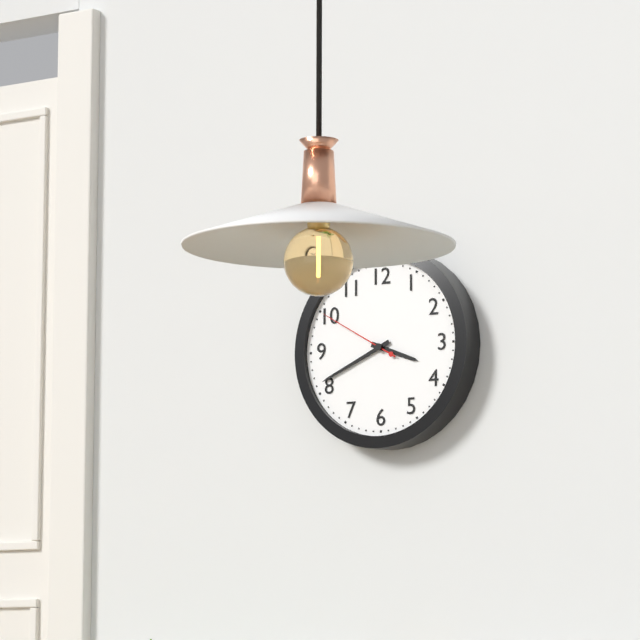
3 h 41 min 50 s
